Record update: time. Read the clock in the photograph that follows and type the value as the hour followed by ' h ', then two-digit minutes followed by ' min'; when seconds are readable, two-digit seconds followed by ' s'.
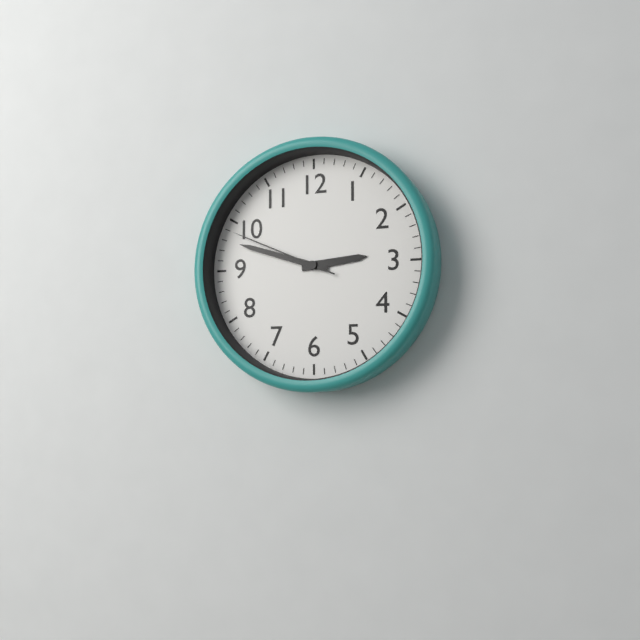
2 h 48 min 49 s
